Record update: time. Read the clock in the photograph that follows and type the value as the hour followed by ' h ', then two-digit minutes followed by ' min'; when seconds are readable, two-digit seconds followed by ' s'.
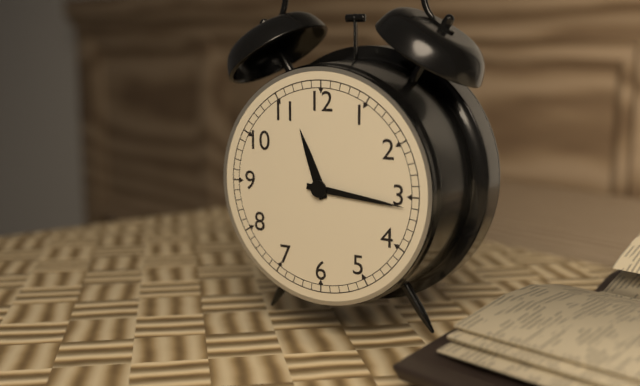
11 h 16 min
